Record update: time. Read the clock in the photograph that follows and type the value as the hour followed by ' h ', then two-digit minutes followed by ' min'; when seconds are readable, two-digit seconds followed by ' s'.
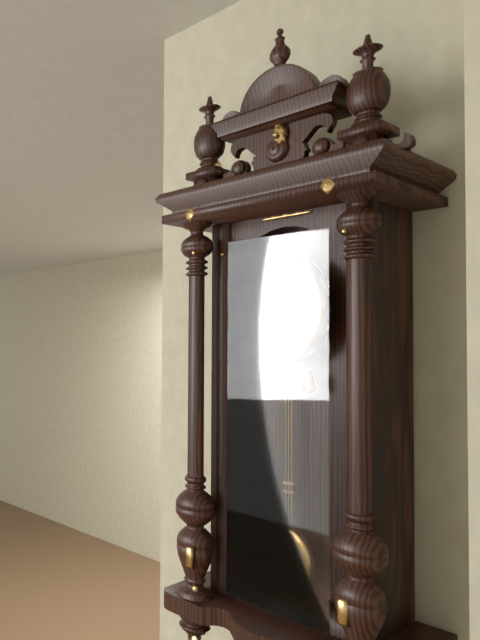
8 h 40 min
